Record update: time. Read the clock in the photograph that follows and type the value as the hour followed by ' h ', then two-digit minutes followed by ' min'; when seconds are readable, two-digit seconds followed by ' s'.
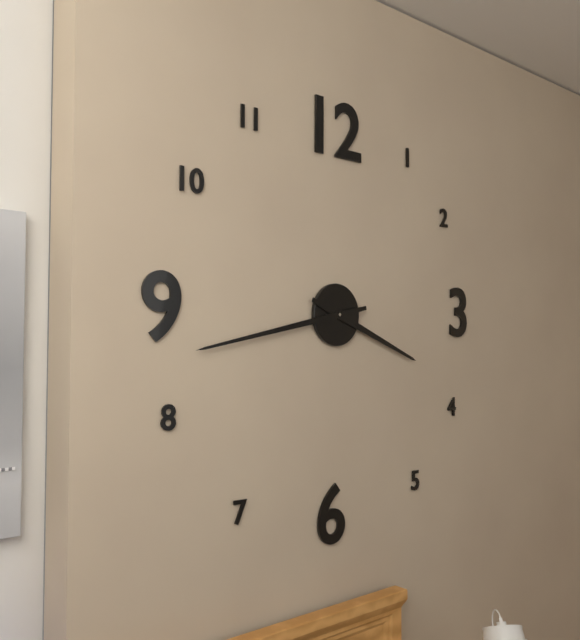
3 h 43 min
